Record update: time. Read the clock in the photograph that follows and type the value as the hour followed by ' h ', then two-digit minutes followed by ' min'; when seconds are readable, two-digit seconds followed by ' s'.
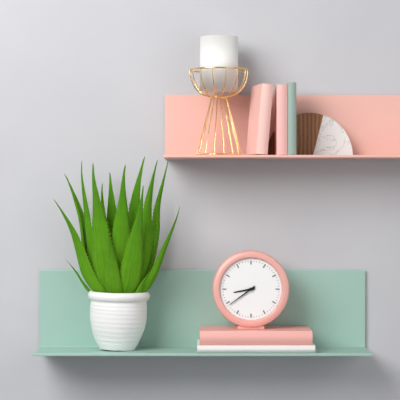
8 h 39 min
